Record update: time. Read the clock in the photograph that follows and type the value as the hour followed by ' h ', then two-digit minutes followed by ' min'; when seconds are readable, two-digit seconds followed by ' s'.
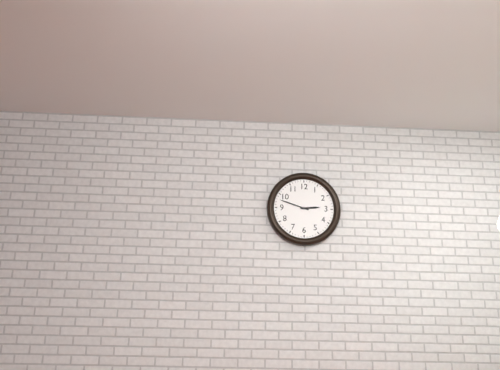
2 h 48 min
